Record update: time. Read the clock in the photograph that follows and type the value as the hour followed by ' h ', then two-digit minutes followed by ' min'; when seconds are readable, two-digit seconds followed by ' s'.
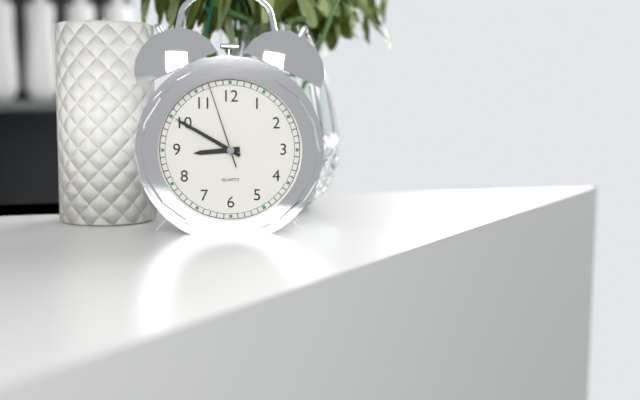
8 h 50 min 57 s
